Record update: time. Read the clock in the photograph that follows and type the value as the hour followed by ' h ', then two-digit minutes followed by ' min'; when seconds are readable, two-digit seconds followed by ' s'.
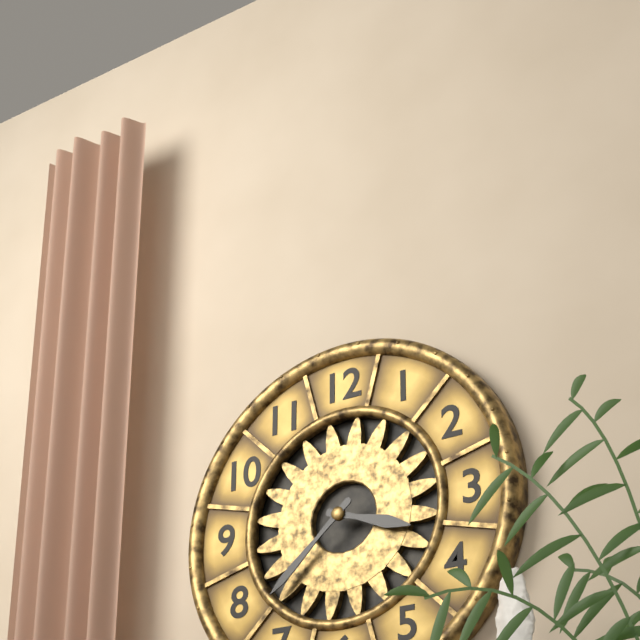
3 h 38 min
